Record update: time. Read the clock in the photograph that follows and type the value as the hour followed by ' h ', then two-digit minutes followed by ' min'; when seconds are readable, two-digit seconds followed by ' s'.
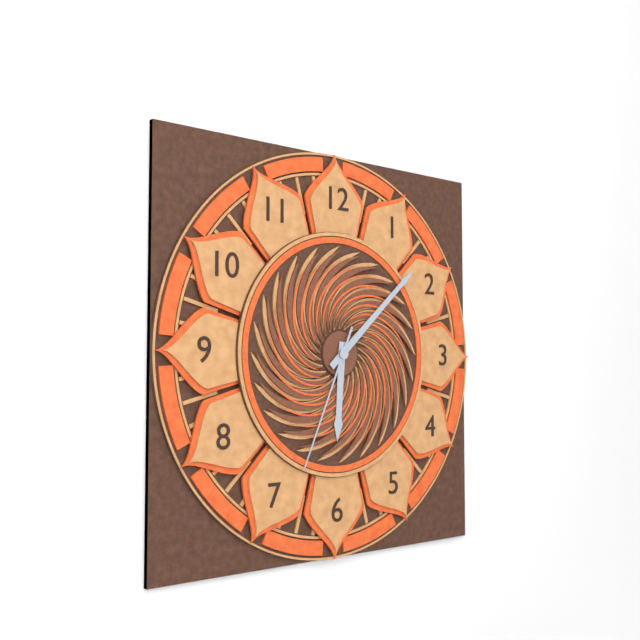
6 h 08 min 34 s
